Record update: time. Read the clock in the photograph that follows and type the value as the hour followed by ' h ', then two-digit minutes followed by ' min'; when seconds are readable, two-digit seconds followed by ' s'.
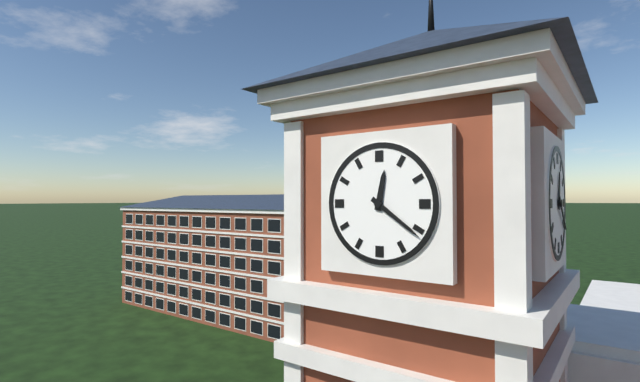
12 h 21 min
